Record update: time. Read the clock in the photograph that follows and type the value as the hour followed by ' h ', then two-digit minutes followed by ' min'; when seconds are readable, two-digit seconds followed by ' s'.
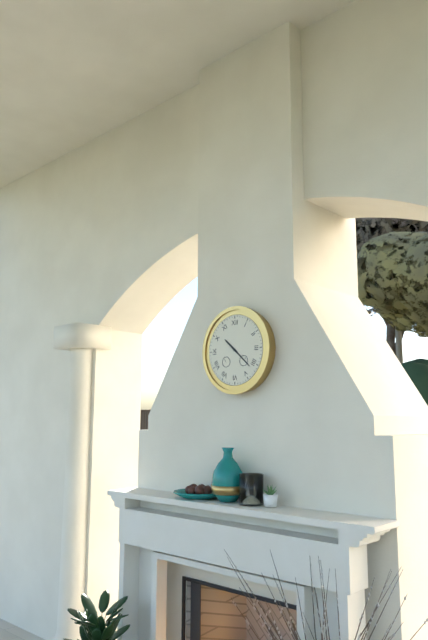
10 h 22 min
